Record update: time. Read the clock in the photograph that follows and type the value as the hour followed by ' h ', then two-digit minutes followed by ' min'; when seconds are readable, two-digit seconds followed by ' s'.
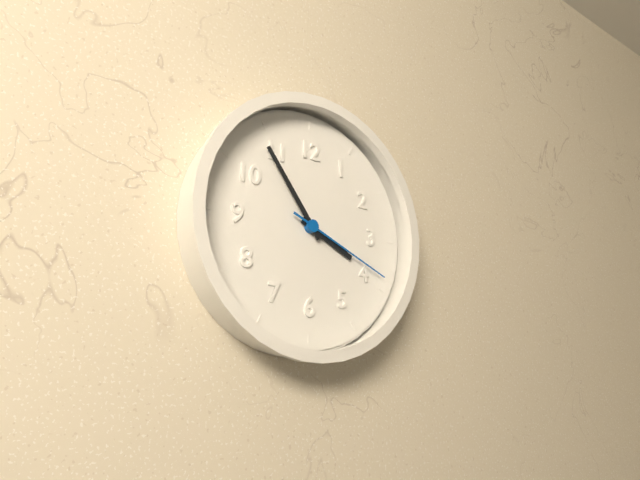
3 h 54 min 19 s
